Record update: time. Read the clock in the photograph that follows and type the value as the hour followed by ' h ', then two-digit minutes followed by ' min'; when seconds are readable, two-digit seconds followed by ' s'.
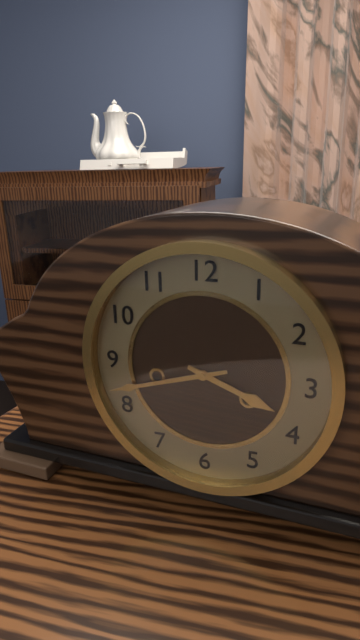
3 h 42 min
